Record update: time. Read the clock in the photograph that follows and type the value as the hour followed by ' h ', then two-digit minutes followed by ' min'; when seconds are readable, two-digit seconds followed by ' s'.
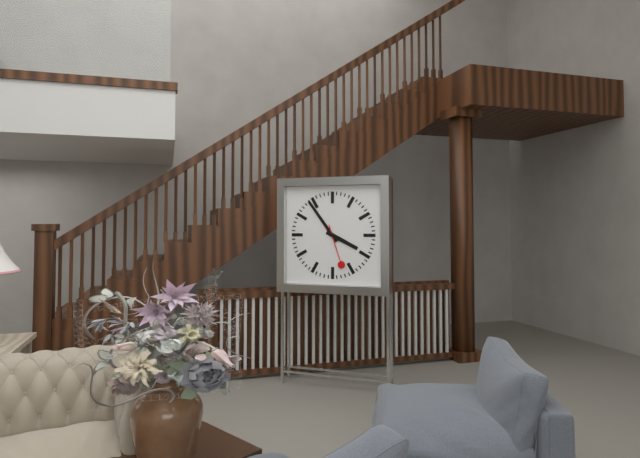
3 h 54 min
